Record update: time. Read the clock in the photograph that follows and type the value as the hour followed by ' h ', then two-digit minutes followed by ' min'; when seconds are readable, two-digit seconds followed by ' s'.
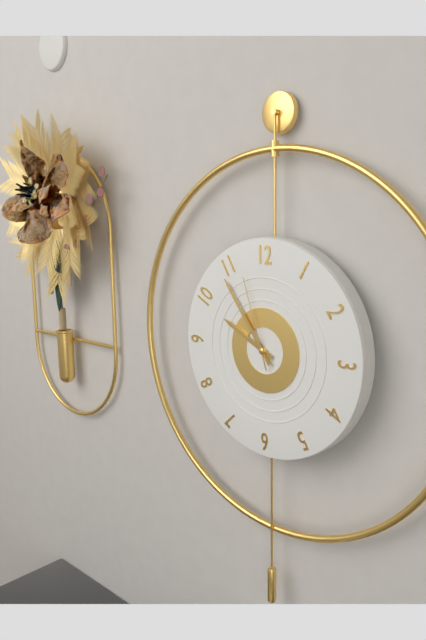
9 h 54 min 57 s
